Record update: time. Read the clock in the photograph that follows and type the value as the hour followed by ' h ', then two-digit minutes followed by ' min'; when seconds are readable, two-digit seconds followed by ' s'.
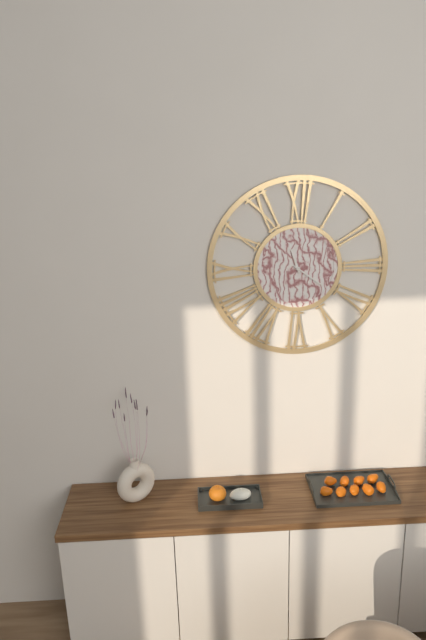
11 h 21 min
